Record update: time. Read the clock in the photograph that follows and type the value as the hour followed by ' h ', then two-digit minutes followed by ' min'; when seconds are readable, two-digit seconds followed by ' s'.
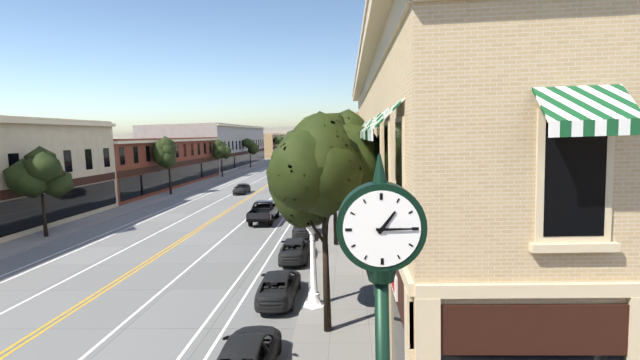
1 h 15 min
